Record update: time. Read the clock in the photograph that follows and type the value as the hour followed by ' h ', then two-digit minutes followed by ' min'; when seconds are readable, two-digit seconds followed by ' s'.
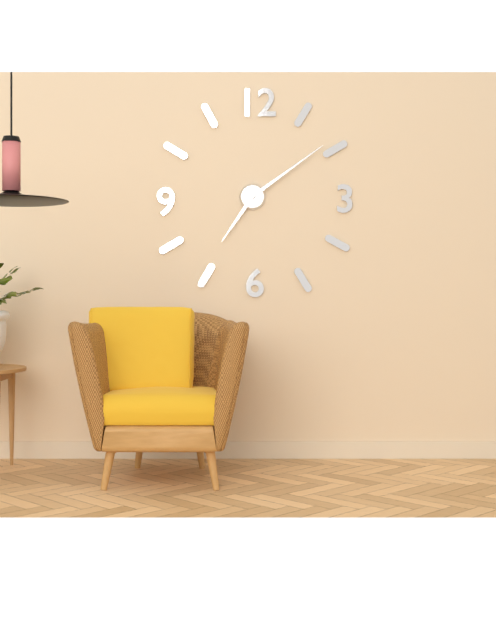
7 h 09 min
